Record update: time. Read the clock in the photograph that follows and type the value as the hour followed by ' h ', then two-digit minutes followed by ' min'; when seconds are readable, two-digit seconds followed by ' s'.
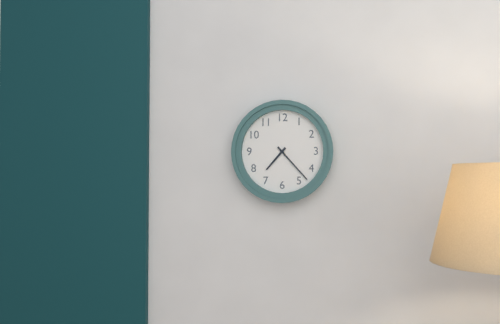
7 h 23 min
